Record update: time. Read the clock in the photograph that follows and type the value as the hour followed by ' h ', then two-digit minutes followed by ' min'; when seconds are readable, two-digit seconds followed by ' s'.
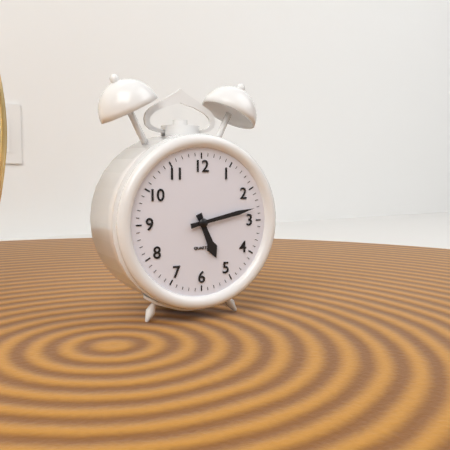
5 h 13 min
